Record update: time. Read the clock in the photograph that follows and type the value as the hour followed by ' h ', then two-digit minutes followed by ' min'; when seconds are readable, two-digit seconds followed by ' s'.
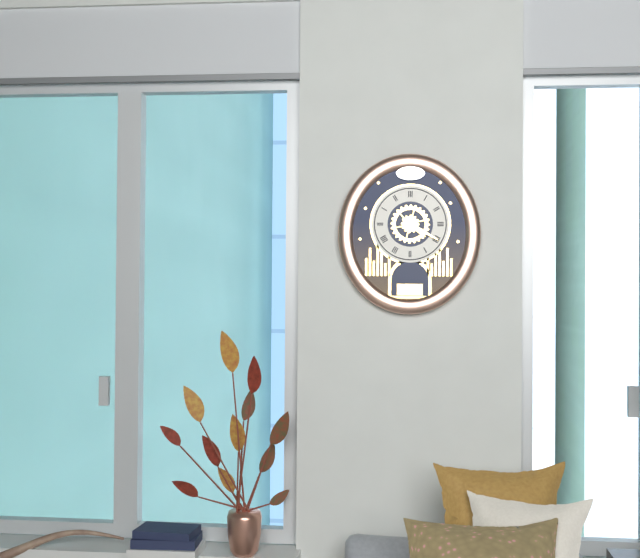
4 h 20 min
